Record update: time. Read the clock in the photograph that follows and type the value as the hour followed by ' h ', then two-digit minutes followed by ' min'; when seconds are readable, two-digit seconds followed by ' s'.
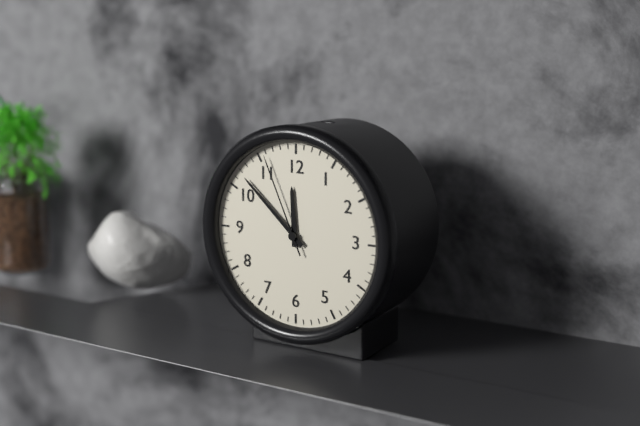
11 h 52 min 56 s
